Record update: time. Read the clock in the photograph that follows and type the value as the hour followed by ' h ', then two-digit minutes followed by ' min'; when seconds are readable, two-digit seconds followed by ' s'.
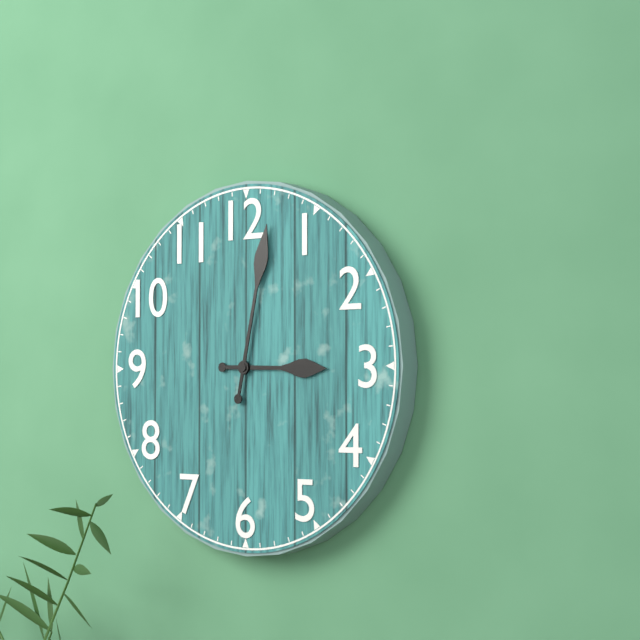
3 h 02 min
